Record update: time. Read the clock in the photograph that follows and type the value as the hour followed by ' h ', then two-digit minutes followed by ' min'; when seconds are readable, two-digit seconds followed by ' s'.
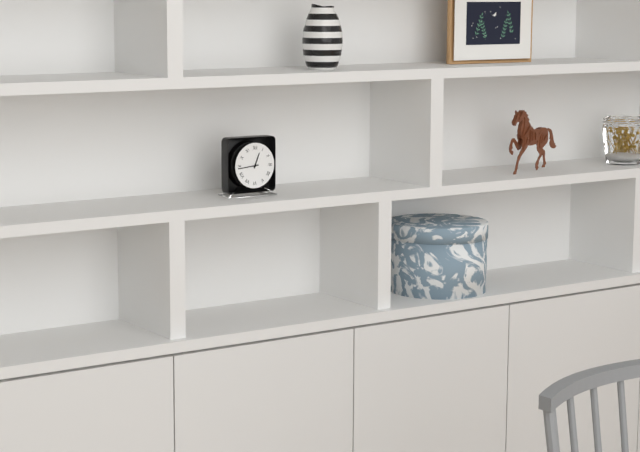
12 h 44 min
